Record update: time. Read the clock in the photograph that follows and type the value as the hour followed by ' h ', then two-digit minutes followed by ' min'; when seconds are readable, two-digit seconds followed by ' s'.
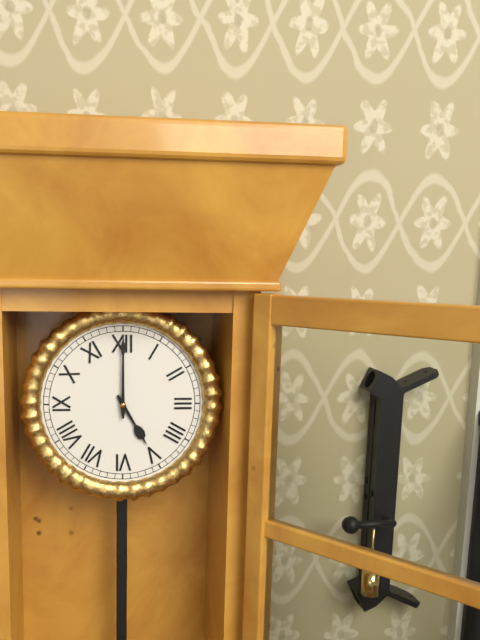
5 h 00 min
